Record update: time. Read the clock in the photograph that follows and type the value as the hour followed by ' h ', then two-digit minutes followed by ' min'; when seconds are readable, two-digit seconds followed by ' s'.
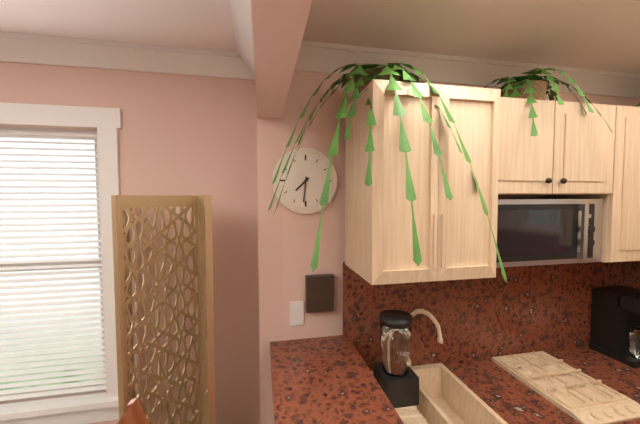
7 h 31 min
